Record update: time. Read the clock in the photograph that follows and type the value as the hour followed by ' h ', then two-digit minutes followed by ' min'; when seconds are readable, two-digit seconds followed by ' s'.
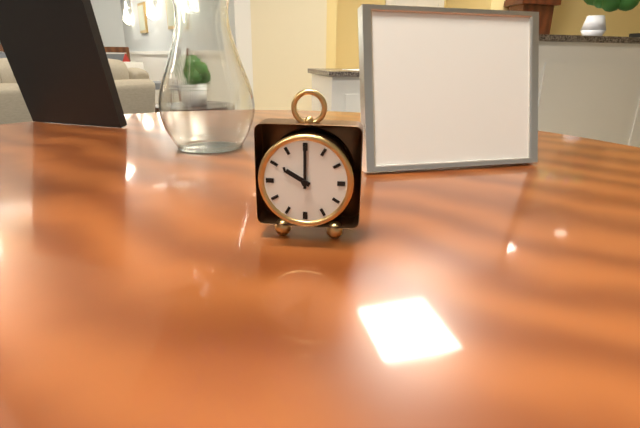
10 h 00 min
